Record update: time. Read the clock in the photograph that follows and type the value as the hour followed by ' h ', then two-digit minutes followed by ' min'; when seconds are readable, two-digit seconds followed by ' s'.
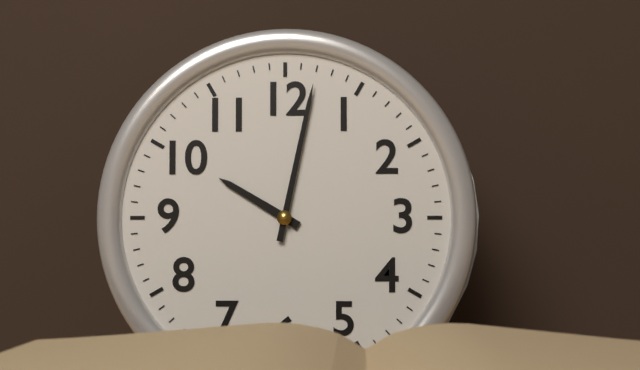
10 h 02 min
